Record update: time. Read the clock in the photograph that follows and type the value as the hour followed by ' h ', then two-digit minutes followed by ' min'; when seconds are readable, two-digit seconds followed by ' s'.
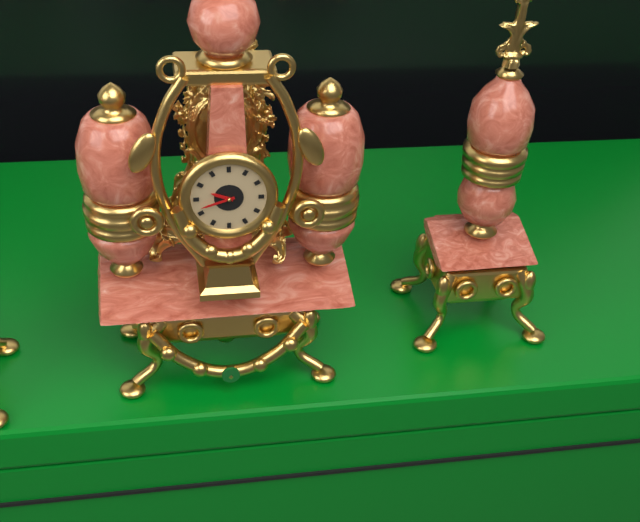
9 h 42 min
